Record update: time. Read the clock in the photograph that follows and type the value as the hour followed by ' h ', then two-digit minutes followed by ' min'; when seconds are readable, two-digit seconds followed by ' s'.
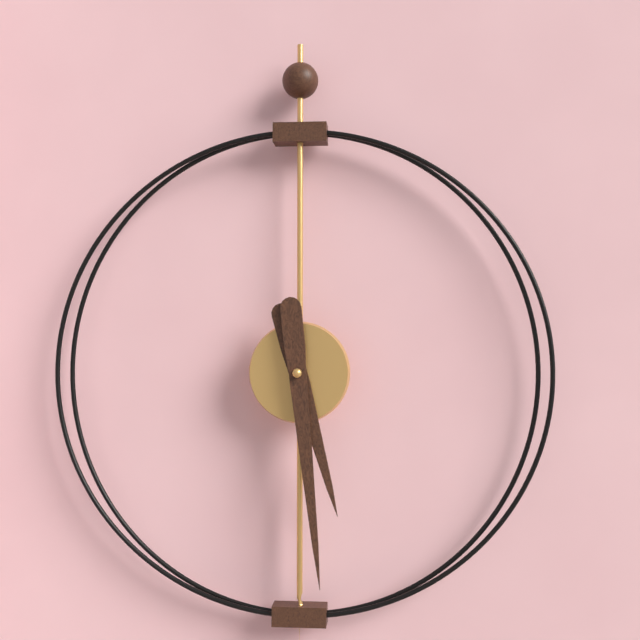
5 h 29 min
